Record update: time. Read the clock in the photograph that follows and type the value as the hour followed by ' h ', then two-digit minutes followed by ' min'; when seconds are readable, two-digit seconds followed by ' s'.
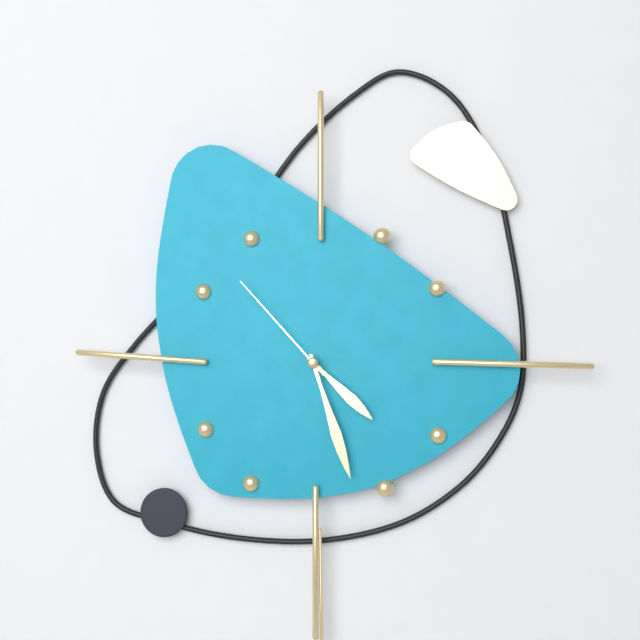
4 h 27 min 53 s
